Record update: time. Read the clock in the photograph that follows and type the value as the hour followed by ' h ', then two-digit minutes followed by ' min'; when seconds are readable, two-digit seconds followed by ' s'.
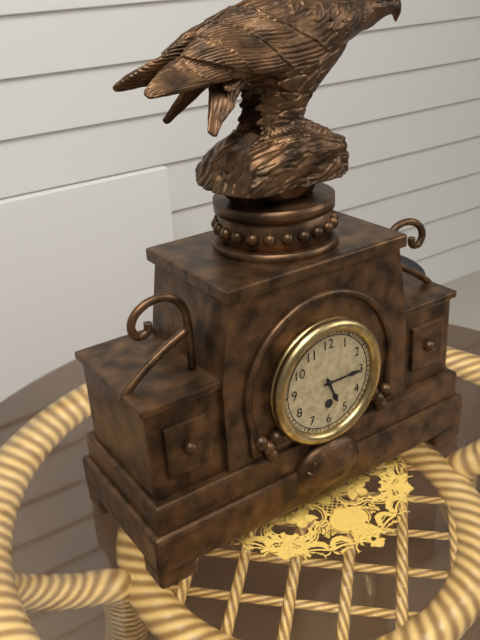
5 h 15 min
